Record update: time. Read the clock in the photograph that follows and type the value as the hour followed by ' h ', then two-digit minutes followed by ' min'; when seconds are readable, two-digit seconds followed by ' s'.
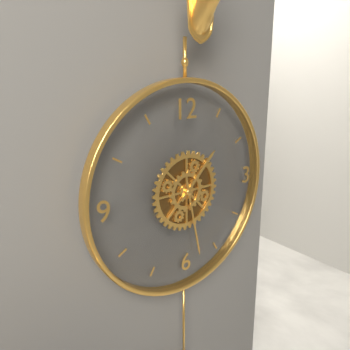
1 h 28 min
